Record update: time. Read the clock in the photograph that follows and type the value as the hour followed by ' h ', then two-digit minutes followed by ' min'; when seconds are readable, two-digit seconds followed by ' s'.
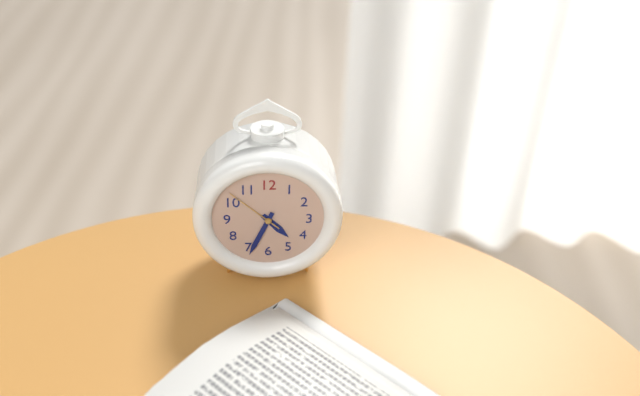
4 h 34 min 52 s
